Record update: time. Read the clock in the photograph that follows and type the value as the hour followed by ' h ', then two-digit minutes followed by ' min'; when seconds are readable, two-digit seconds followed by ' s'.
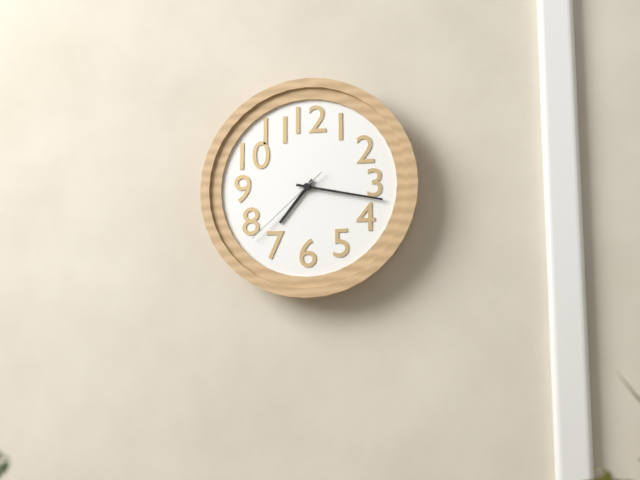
7 h 17 min 38 s
